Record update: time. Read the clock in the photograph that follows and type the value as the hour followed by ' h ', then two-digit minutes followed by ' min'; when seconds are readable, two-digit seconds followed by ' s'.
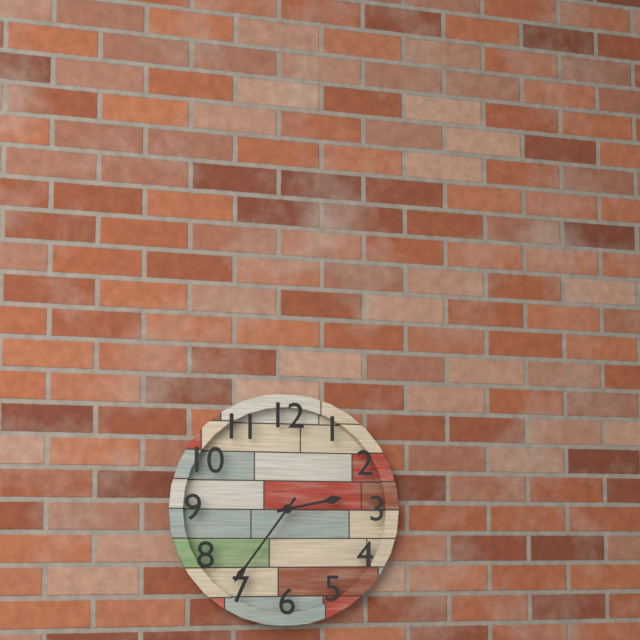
2 h 36 min
